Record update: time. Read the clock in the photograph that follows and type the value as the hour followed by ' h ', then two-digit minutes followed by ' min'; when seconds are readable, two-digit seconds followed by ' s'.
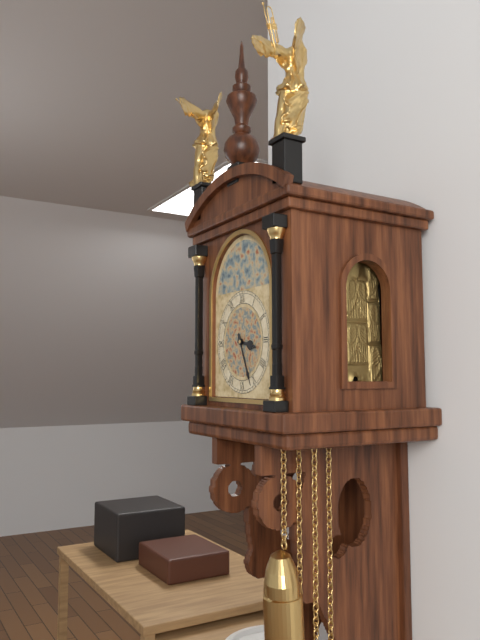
3 h 26 min
